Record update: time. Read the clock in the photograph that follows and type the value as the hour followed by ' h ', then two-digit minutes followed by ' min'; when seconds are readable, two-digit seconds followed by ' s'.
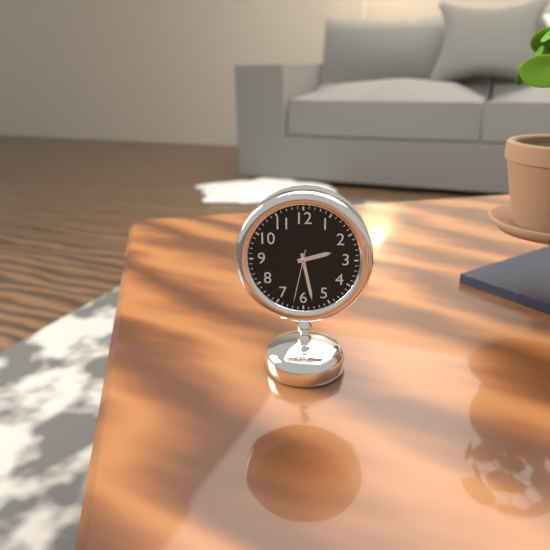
2 h 28 min 32 s
